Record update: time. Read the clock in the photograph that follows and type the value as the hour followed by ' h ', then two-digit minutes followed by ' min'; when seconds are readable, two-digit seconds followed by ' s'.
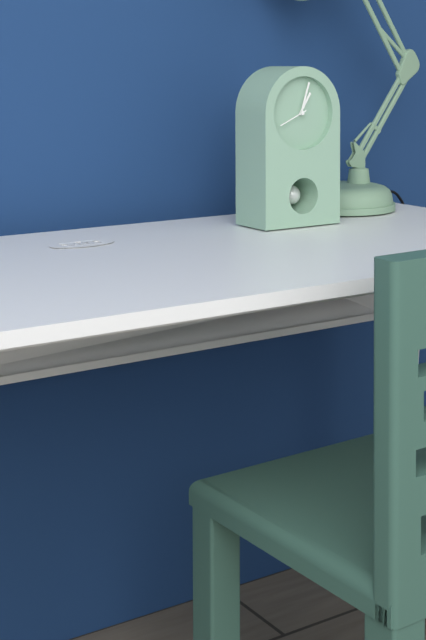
1 h 03 min
